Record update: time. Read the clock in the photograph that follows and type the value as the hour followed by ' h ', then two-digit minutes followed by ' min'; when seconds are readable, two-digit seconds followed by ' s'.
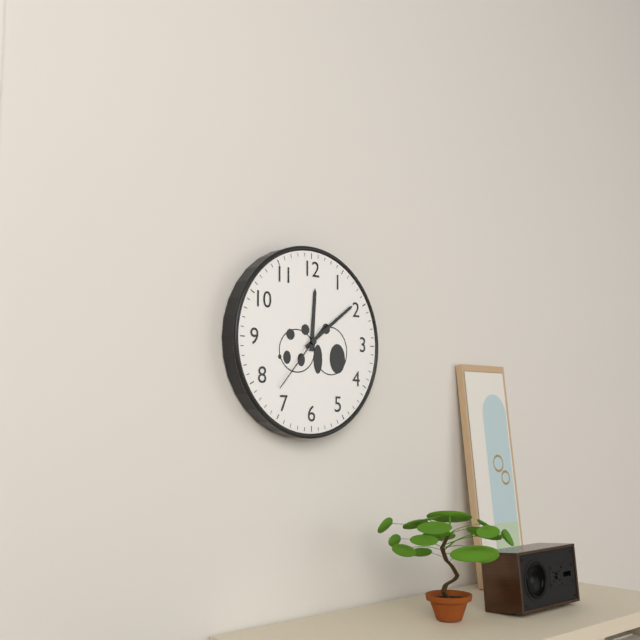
12 h 09 min 37 s
